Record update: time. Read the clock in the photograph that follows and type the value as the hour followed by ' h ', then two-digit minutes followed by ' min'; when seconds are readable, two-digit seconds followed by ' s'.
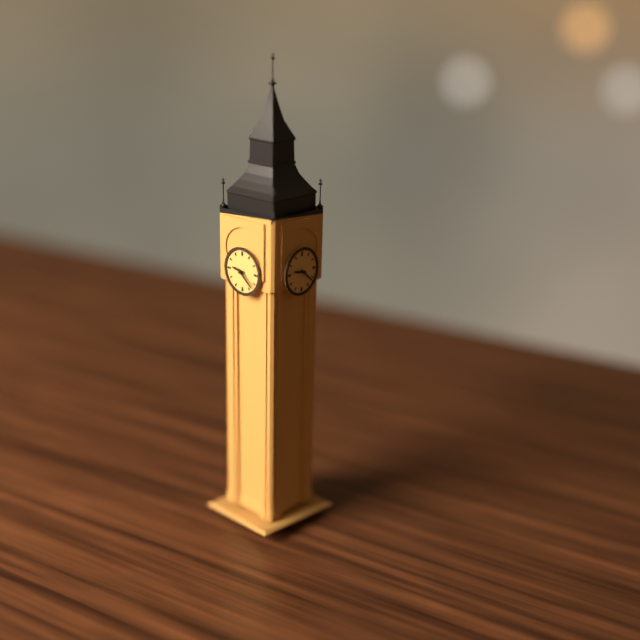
9 h 22 min
